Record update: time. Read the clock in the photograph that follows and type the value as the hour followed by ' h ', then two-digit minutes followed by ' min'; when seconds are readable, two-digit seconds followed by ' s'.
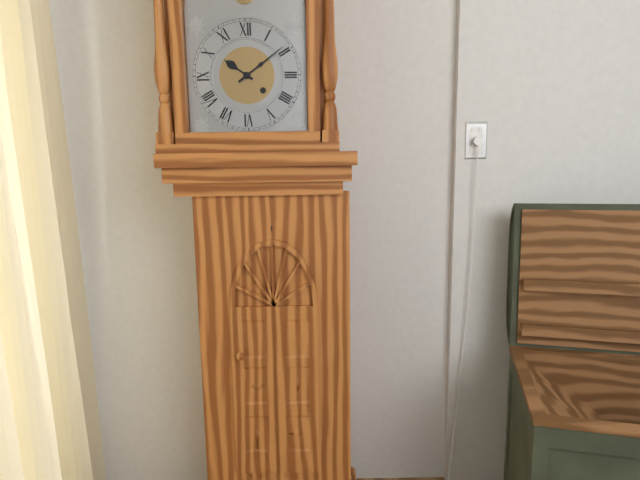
10 h 09 min
